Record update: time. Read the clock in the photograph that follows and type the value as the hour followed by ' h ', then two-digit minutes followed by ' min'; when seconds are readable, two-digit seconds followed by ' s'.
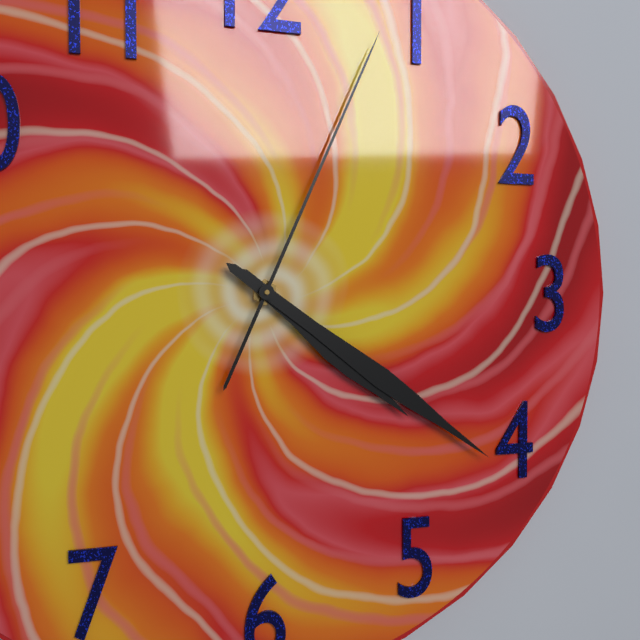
4 h 21 min 04 s
